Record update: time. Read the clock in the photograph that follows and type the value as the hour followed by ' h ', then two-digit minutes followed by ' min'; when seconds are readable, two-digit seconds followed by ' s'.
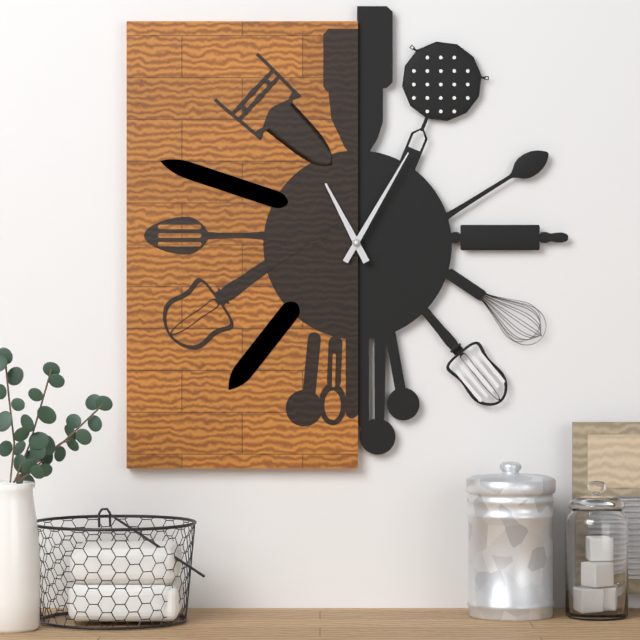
11 h 05 min
